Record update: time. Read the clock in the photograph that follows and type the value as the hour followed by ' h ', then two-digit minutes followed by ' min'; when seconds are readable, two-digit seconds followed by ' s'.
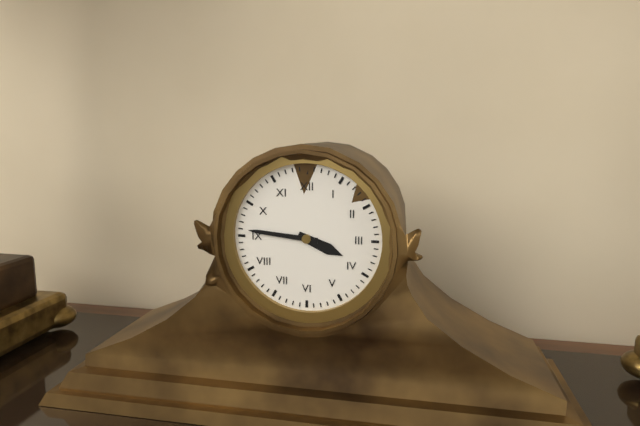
3 h 46 min
